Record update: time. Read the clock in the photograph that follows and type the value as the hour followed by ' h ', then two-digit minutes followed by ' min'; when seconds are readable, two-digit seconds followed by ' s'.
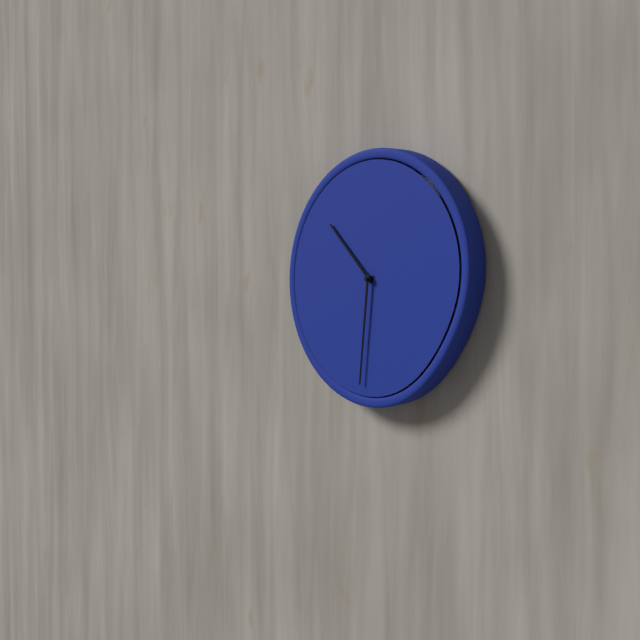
10 h 31 min
